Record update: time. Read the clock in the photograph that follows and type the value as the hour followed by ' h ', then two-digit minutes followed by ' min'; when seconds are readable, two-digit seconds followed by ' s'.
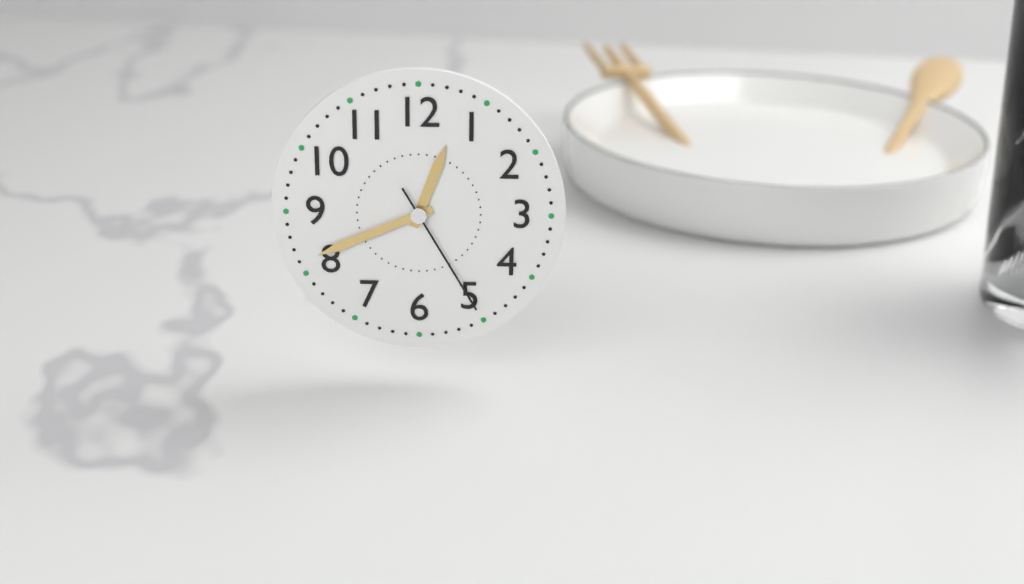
12 h 41 min 25 s
